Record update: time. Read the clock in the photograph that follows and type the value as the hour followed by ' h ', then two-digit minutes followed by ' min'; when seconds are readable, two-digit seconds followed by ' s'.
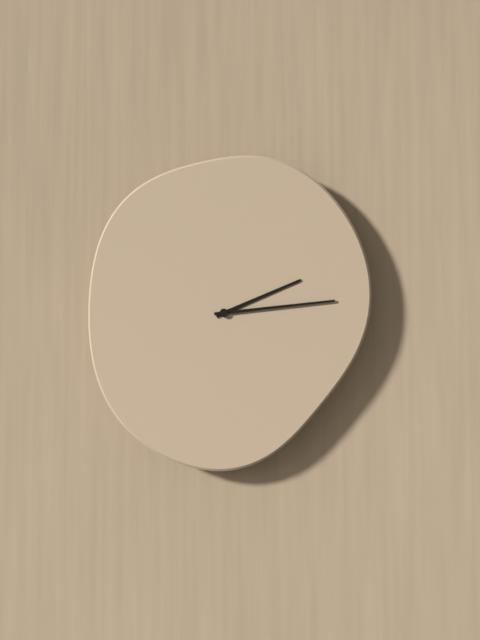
2 h 14 min
